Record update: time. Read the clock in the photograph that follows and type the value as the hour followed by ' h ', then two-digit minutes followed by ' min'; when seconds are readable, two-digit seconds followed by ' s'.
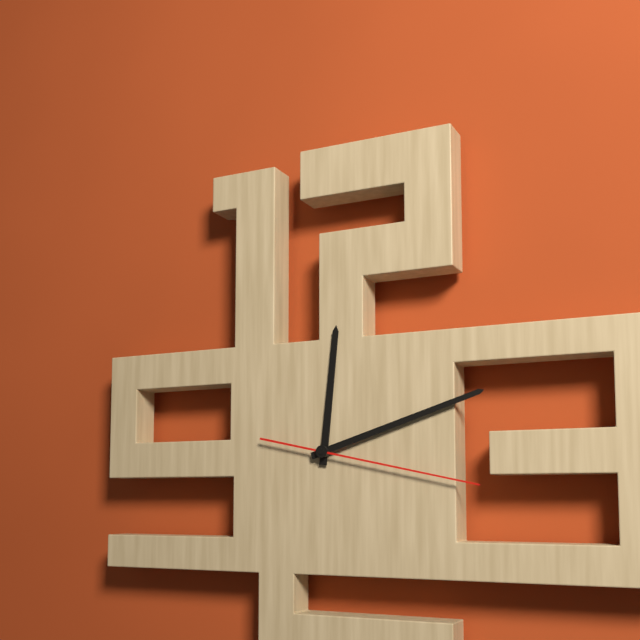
12 h 12 min 17 s
